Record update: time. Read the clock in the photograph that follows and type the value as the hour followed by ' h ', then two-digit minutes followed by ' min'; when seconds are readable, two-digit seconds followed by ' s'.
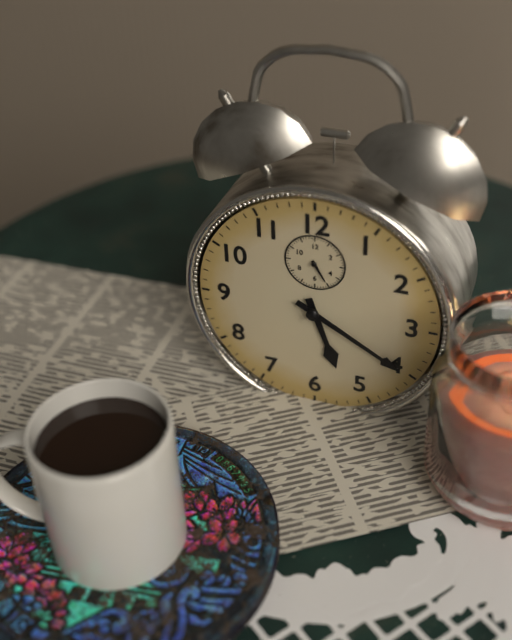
5 h 20 min
